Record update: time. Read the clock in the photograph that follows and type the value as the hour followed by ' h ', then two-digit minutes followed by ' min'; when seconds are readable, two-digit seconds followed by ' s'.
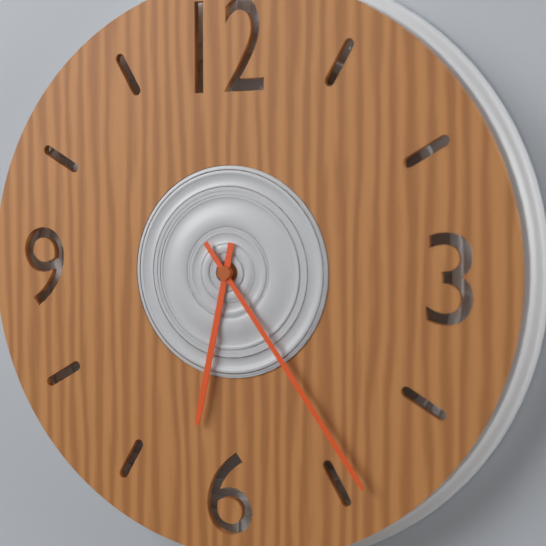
6 h 24 min
